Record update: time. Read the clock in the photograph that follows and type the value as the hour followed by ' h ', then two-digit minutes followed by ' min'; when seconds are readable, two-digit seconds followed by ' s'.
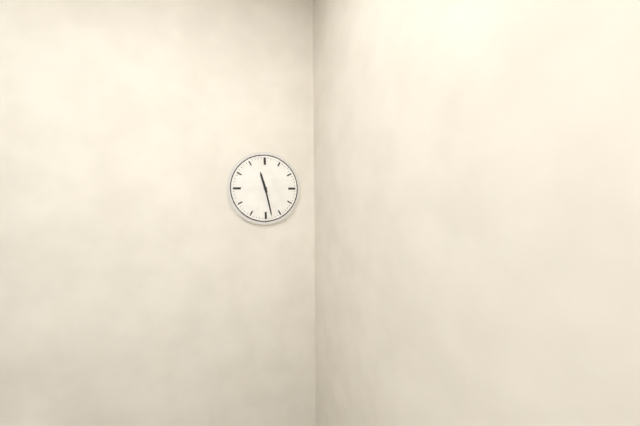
11 h 28 min
